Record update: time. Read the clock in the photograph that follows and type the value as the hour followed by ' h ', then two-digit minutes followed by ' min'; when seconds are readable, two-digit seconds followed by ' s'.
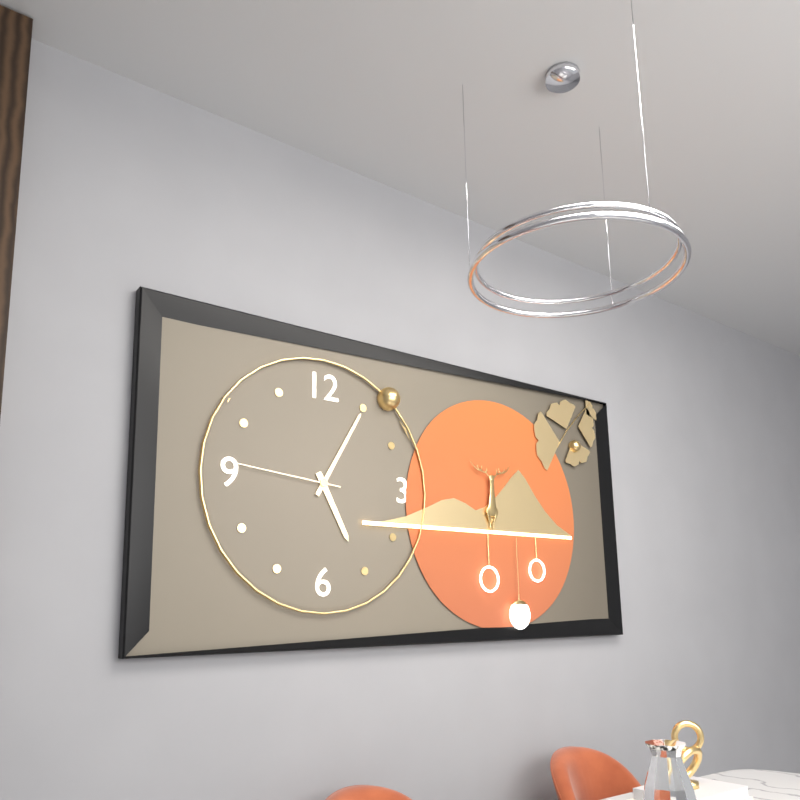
5 h 05 min 46 s
